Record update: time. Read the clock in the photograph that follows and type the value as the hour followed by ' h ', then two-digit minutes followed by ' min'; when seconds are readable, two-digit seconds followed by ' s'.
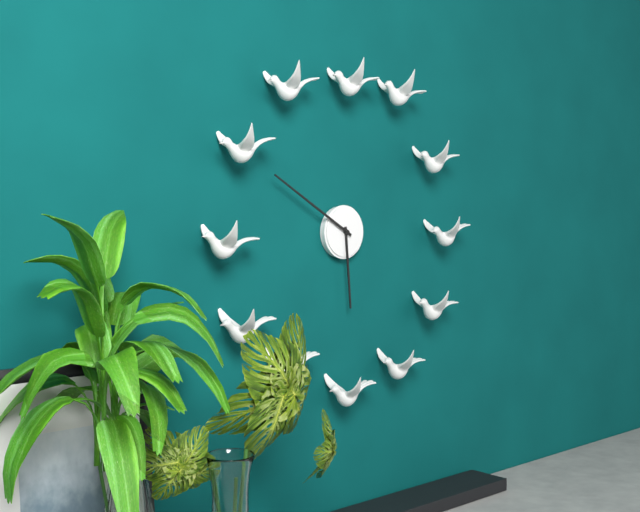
5 h 50 min
